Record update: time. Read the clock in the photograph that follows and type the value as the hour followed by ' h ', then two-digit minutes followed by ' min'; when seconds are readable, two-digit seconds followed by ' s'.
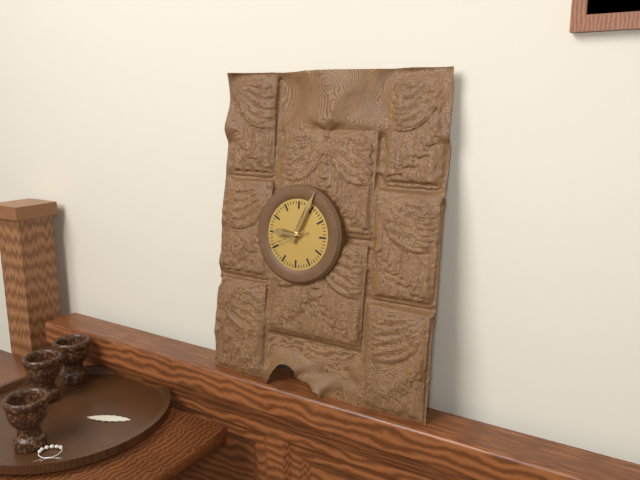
9 h 04 min 41 s
